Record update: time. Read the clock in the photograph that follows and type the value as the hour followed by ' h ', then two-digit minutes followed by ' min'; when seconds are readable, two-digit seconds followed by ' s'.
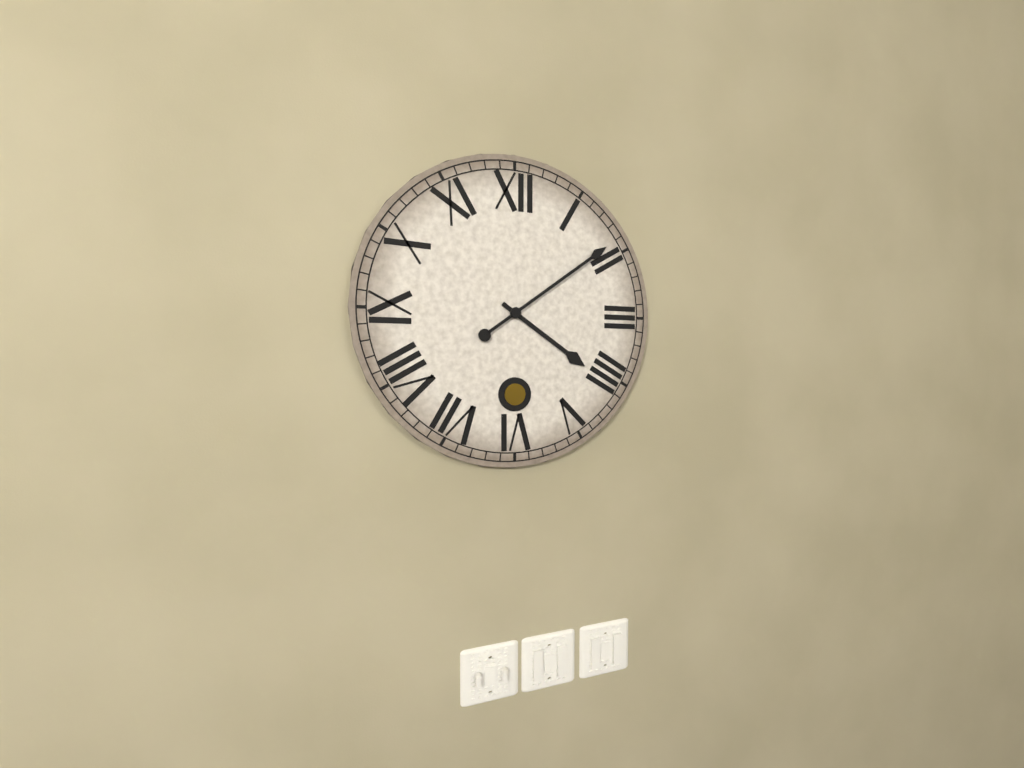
4 h 09 min
